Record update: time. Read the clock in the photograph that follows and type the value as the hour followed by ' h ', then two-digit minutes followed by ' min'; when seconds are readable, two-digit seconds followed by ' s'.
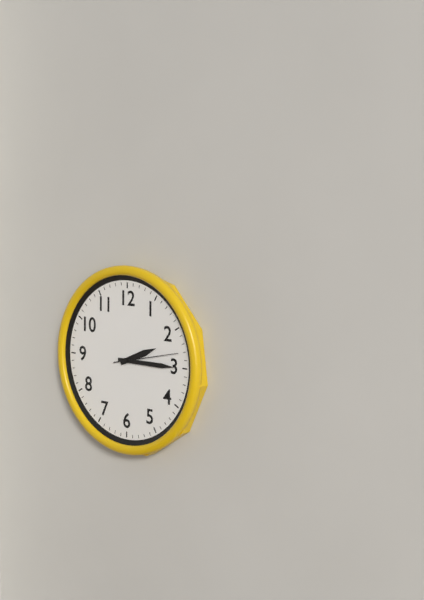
2 h 15 min 13 s
